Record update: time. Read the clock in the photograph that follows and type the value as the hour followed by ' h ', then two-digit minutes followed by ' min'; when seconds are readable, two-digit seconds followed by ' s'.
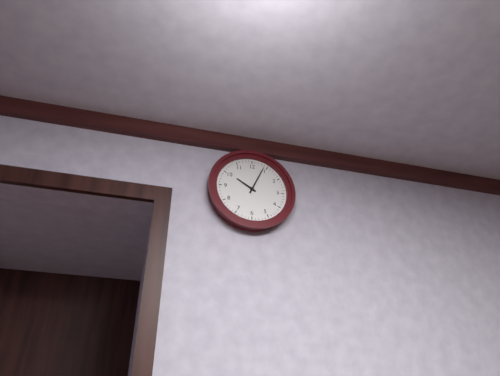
10 h 04 min
